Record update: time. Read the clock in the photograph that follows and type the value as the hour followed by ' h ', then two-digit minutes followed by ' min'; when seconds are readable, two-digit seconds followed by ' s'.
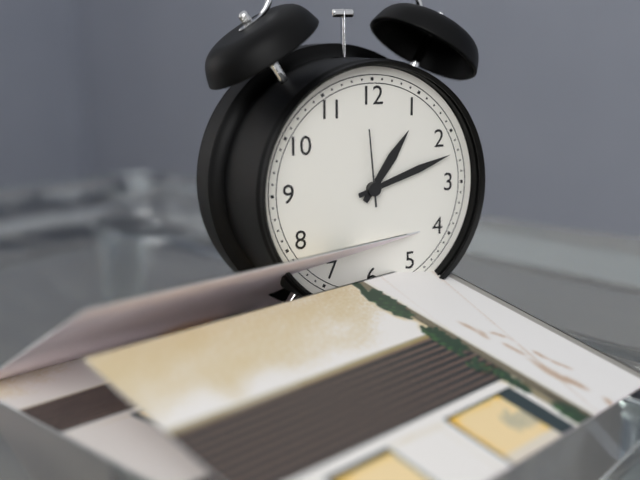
1 h 12 min 59 s
